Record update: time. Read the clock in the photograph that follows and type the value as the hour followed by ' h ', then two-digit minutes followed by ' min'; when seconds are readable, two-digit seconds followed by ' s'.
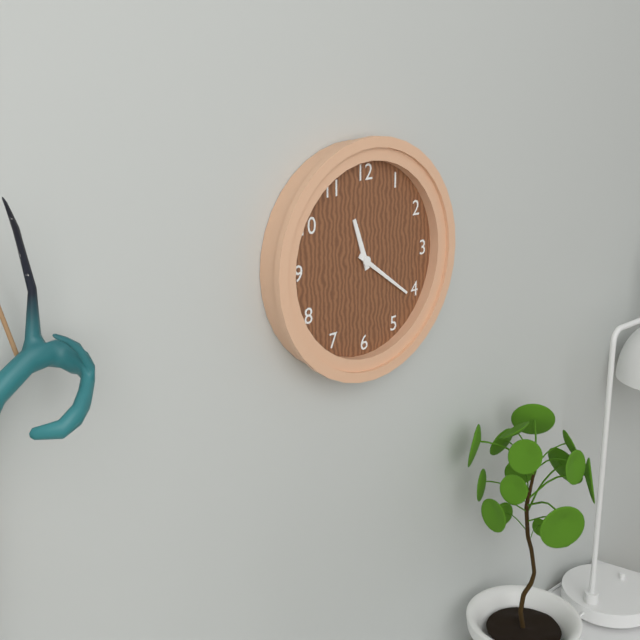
11 h 21 min
